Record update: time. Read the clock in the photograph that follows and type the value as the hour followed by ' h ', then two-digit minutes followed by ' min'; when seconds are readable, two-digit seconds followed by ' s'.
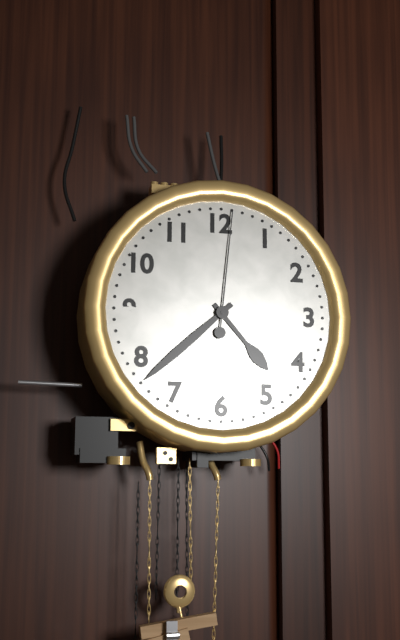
4 h 38 min 01 s
